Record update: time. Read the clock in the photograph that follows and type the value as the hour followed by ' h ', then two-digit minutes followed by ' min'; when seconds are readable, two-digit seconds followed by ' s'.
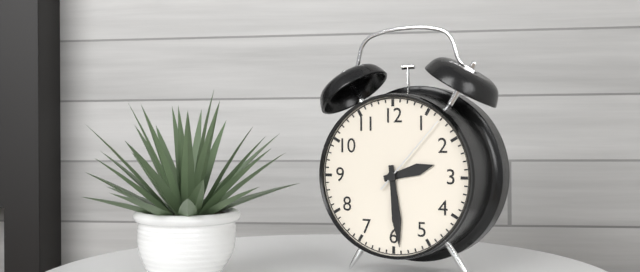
2 h 29 min 07 s
